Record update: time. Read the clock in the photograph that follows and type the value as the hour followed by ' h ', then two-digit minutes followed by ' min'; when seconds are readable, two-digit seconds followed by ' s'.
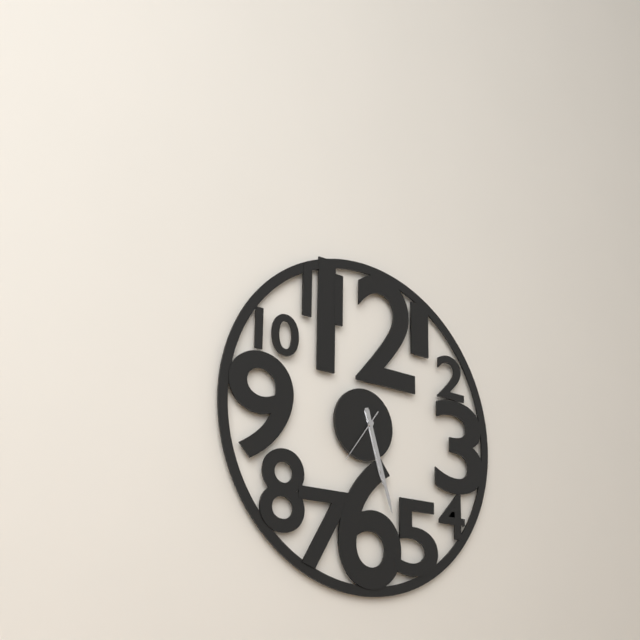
5 h 27 min 36 s
